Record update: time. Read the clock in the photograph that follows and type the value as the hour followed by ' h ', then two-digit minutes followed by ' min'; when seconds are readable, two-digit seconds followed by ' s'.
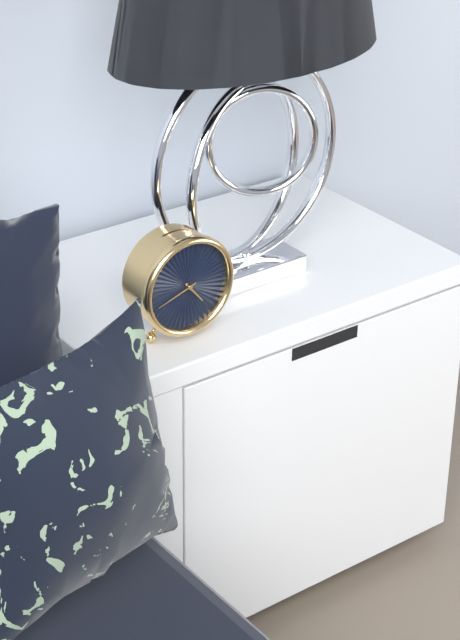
4 h 42 min
